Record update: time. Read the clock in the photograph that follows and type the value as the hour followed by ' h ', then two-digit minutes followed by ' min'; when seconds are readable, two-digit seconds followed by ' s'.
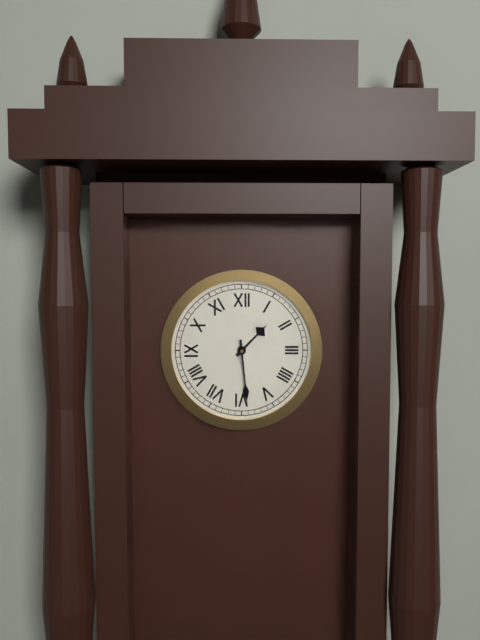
1 h 29 min
